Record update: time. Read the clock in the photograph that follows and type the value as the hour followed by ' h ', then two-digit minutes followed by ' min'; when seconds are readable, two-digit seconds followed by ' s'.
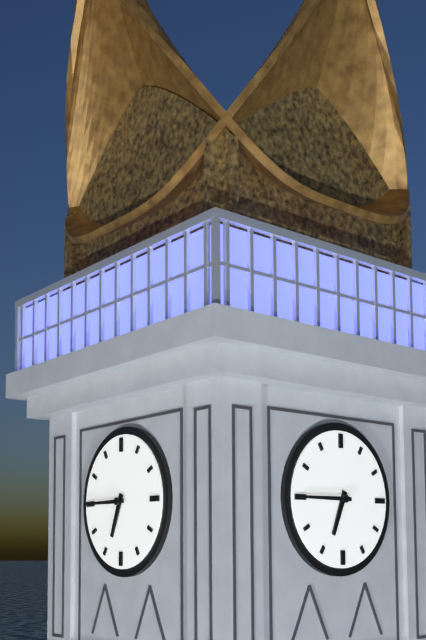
6 h 45 min
